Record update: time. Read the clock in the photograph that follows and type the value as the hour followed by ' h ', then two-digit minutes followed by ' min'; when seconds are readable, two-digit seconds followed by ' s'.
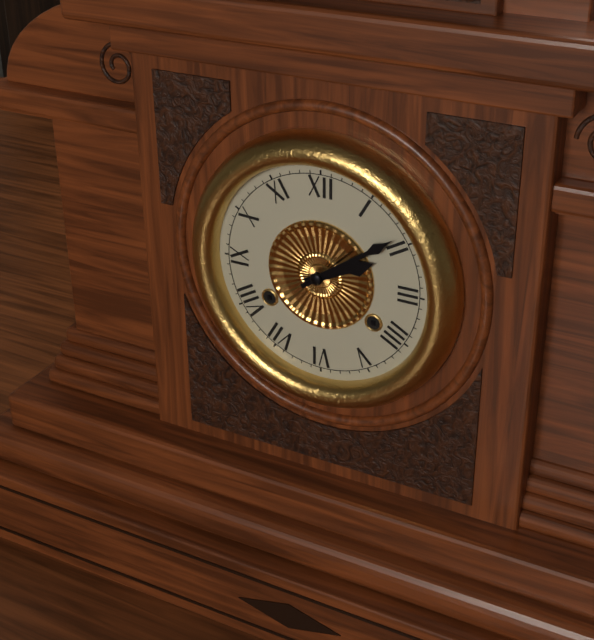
2 h 09 min
